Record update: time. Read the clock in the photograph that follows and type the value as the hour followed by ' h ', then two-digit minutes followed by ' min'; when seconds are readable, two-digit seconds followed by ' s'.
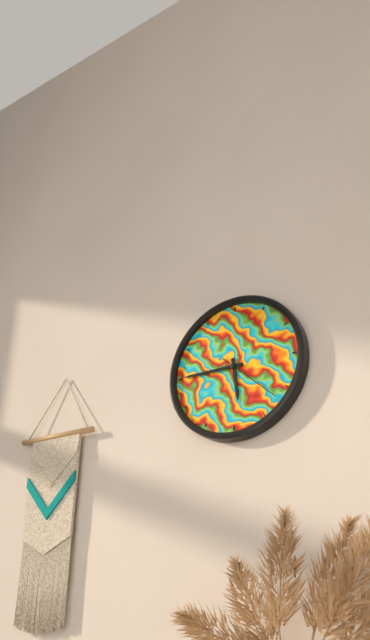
5 h 45 min 22 s
